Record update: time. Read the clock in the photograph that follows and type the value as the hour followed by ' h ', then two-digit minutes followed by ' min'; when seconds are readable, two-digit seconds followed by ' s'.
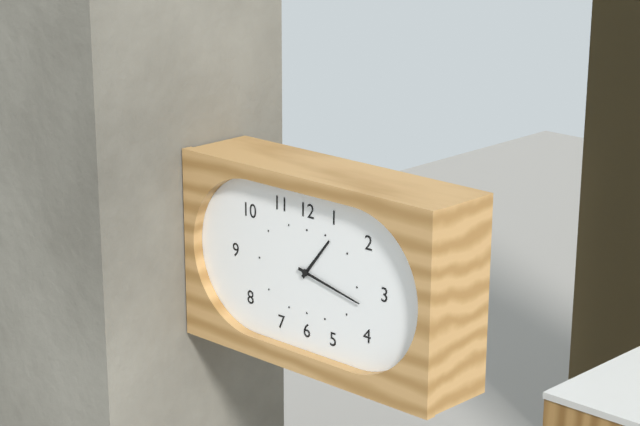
1 h 17 min
